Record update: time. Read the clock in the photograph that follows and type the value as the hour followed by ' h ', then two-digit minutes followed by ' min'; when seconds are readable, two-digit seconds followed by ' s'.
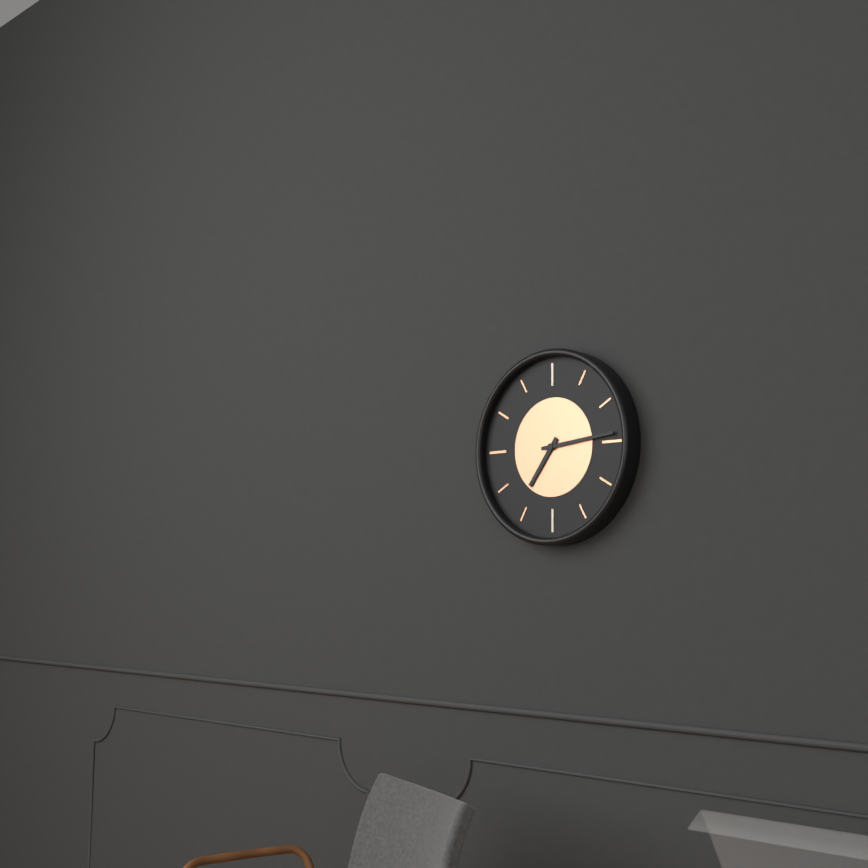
7 h 14 min
